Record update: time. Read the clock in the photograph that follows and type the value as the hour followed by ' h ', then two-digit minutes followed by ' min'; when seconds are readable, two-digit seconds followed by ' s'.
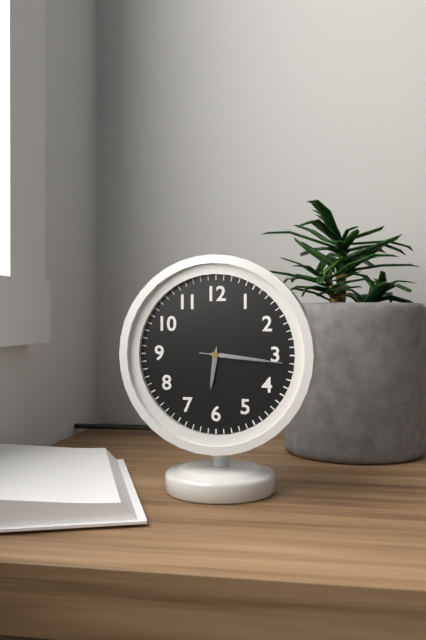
6 h 16 min 16 s
